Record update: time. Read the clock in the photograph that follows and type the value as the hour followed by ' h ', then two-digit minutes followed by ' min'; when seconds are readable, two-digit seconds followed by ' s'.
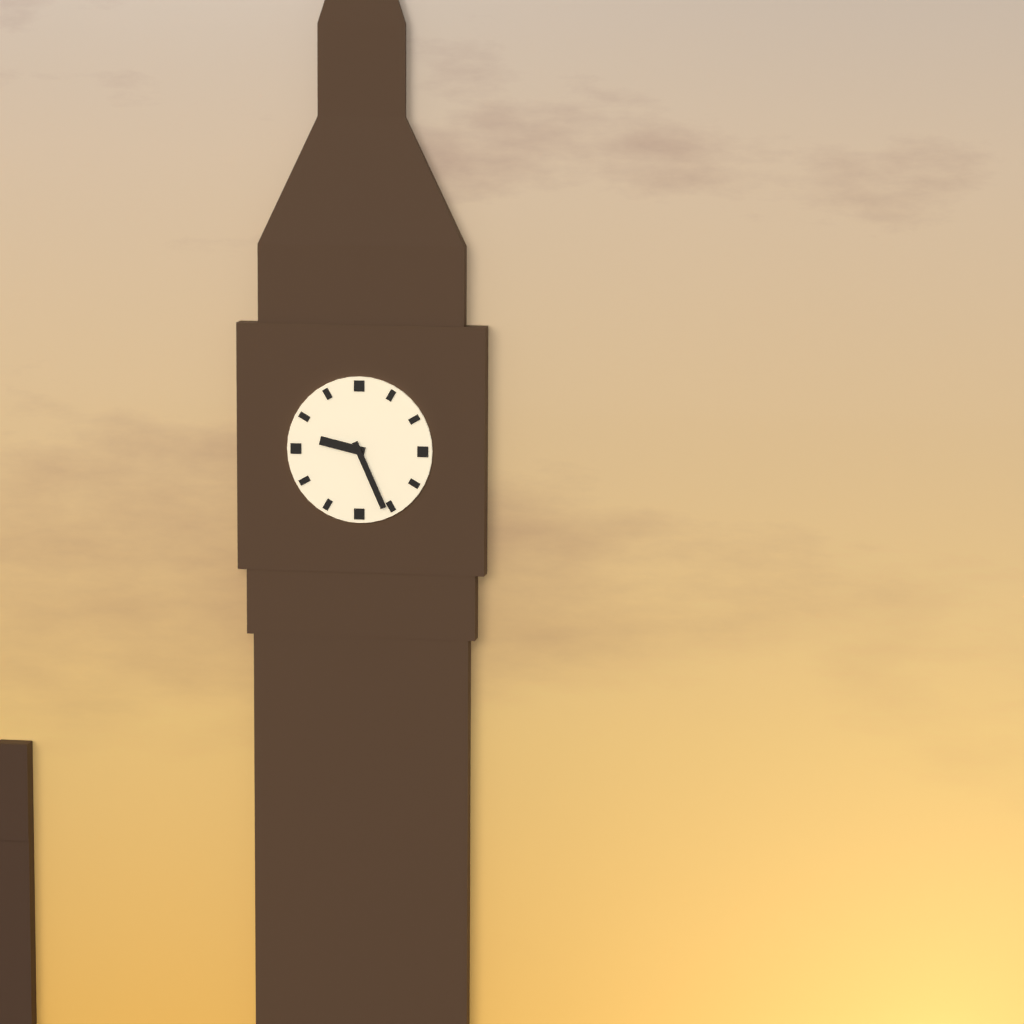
9 h 26 min
